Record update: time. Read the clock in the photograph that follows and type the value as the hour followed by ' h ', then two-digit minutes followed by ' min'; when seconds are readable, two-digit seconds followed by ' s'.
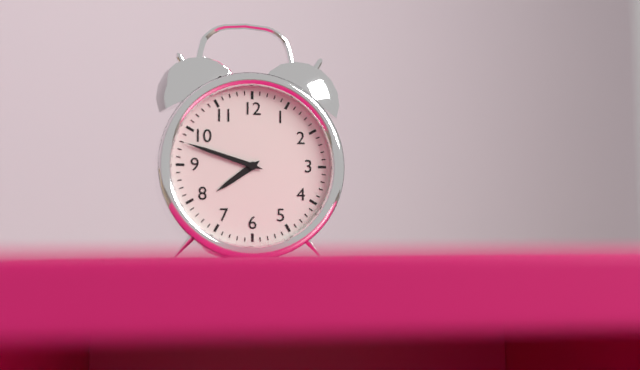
7 h 48 min
